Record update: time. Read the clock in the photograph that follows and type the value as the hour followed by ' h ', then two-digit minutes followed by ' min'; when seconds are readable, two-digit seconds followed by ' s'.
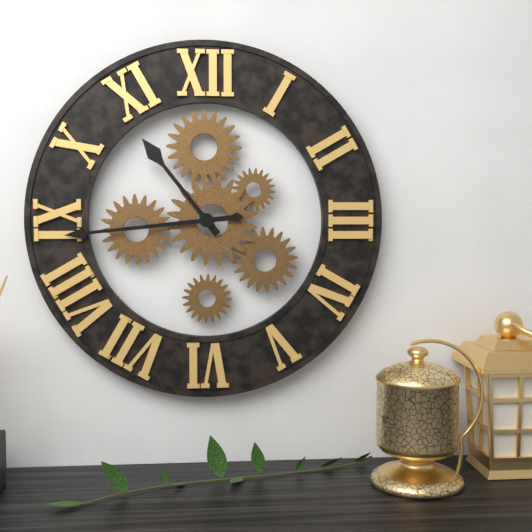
10 h 44 min
